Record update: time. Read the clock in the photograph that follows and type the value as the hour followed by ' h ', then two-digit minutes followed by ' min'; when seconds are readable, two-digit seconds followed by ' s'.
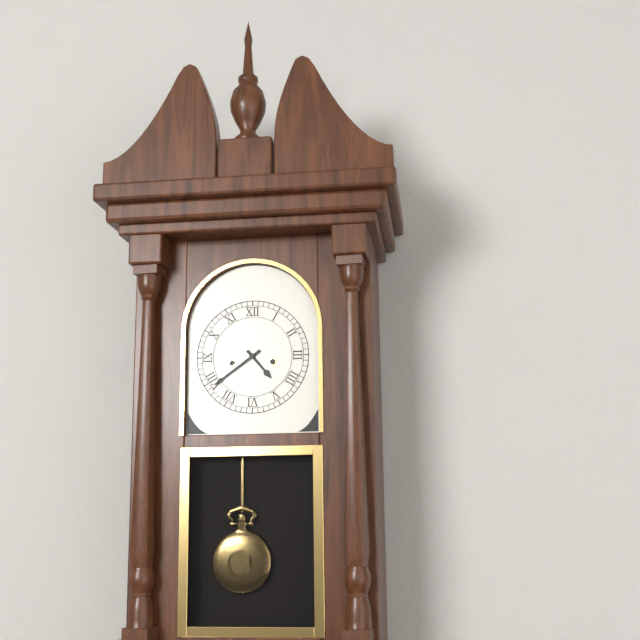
4 h 39 min
